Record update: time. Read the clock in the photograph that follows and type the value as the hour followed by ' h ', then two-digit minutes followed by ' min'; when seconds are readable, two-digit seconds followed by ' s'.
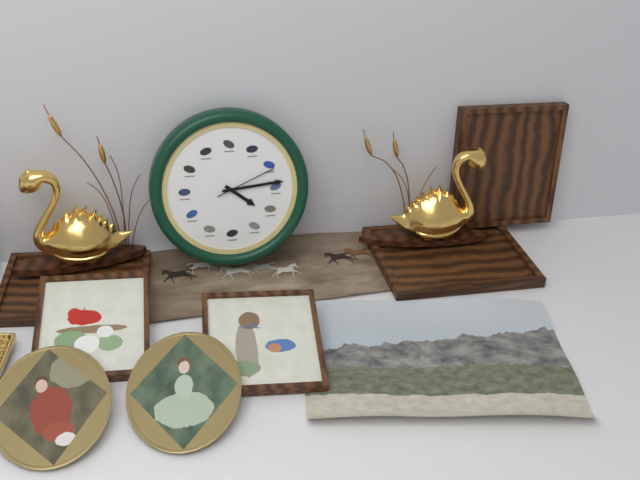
4 h 14 min 11 s
